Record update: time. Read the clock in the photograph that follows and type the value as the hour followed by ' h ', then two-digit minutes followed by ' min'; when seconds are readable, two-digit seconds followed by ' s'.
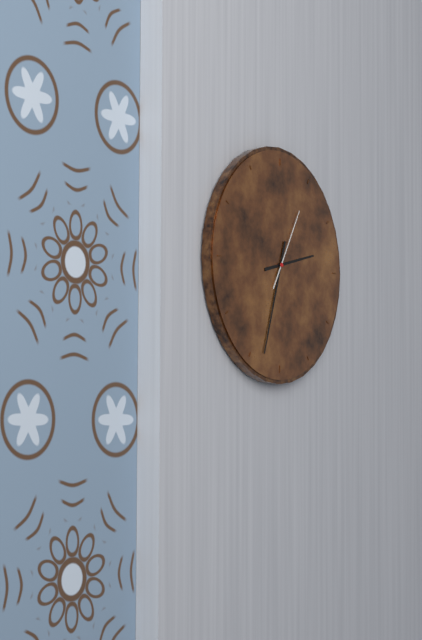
2 h 33 min 05 s
